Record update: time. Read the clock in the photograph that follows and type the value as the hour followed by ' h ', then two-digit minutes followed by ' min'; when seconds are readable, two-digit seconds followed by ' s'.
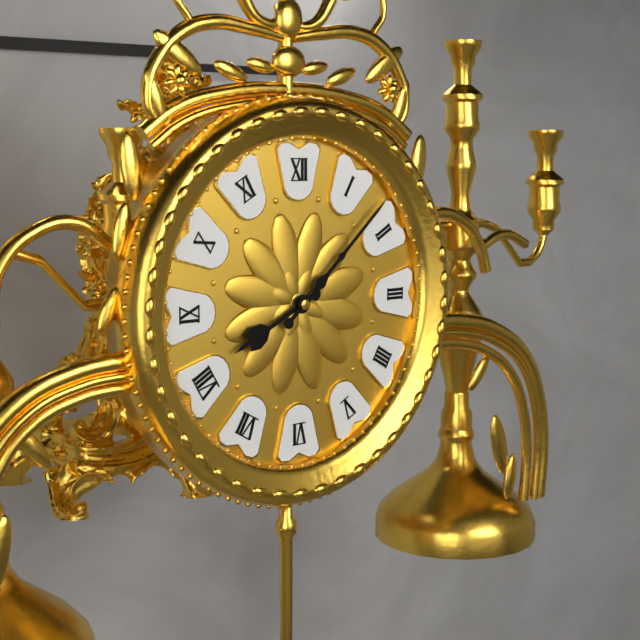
8 h 08 min
